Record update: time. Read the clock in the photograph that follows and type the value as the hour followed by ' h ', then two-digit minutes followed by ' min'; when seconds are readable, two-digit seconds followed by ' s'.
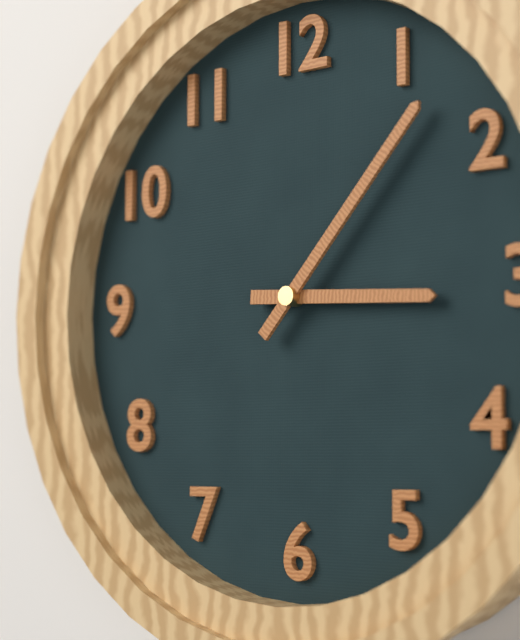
3 h 07 min
